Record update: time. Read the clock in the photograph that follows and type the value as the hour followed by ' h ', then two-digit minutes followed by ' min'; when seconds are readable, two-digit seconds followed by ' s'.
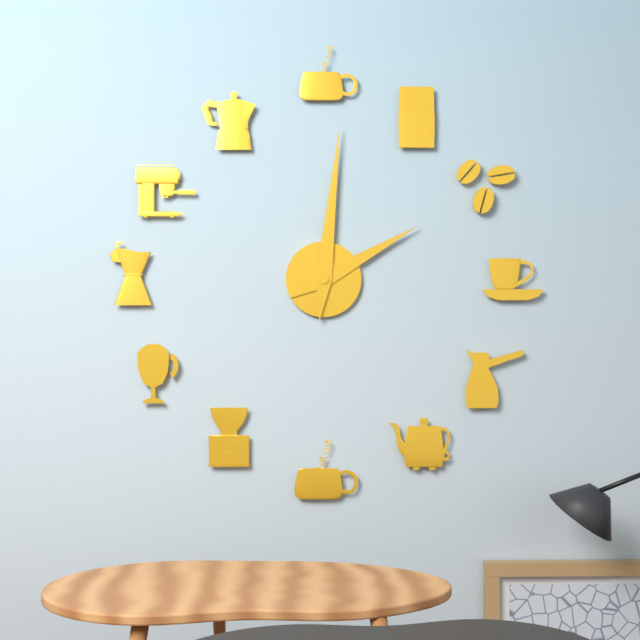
2 h 01 min
